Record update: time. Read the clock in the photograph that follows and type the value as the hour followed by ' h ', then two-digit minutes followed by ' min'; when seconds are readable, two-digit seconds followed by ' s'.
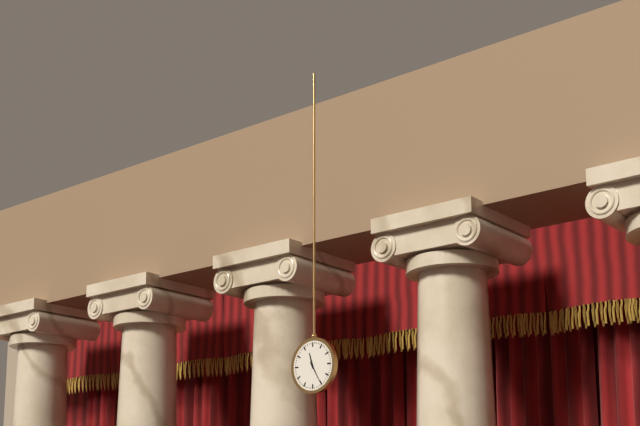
11 h 25 min
